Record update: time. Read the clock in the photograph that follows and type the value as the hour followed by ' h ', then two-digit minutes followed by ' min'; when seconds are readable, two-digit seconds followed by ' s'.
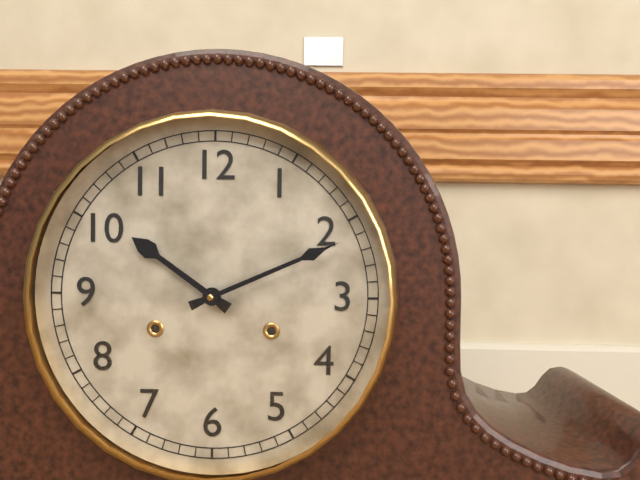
10 h 11 min
